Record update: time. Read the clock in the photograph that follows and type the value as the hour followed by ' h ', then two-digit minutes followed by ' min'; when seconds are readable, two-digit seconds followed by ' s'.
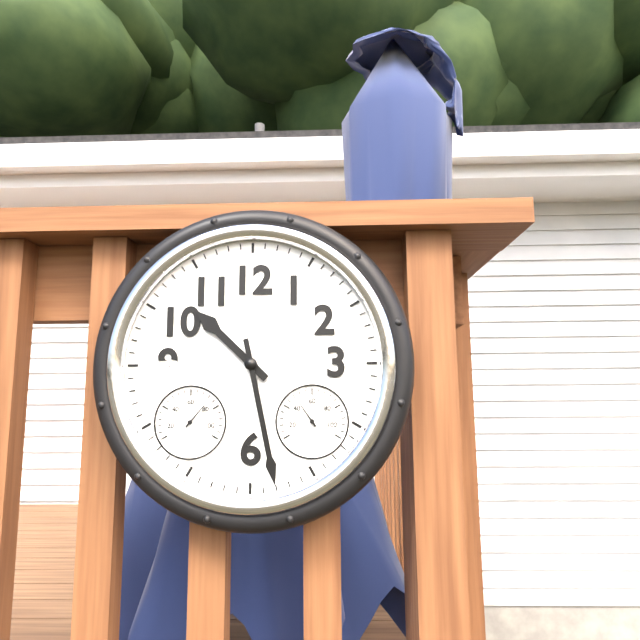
10 h 28 min
